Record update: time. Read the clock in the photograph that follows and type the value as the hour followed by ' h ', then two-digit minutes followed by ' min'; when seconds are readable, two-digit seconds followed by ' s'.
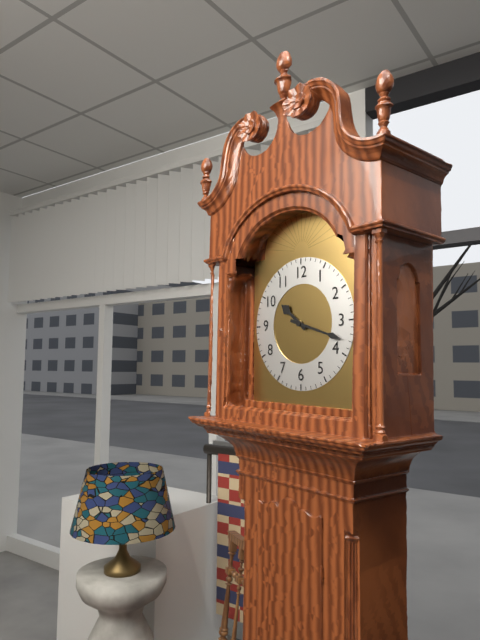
10 h 18 min
